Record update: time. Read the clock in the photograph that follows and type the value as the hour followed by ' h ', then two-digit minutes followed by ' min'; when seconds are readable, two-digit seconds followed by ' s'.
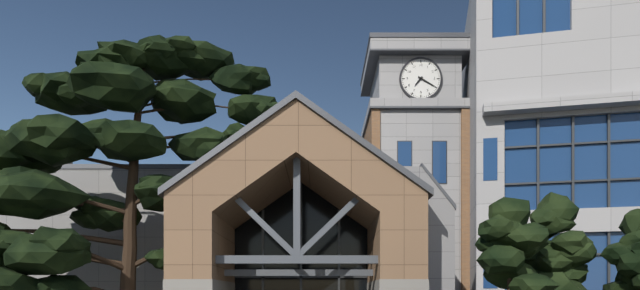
7 h 20 min
